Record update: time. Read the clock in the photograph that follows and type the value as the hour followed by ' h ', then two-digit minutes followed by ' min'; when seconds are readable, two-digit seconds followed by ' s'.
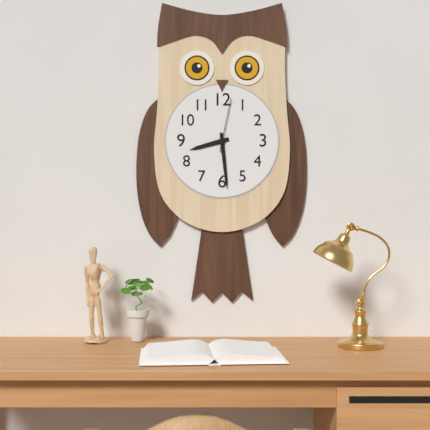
8 h 29 min 02 s
